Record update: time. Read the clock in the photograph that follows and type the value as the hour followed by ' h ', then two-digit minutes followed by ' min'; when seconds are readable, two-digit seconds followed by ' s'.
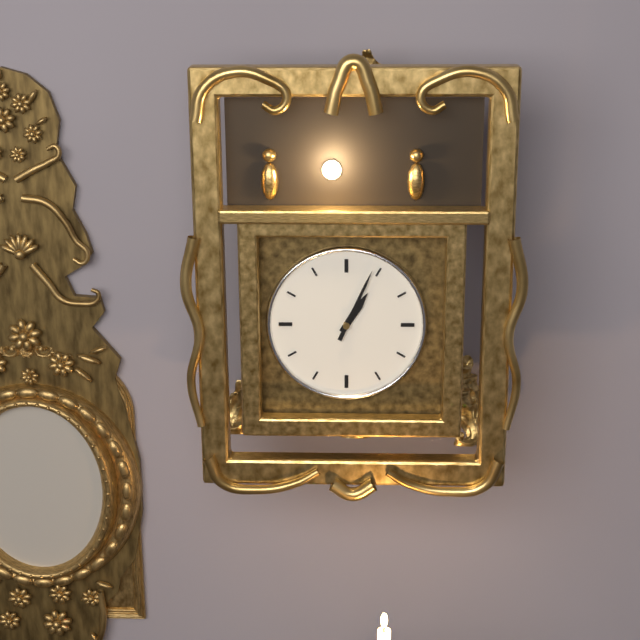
1 h 04 min
